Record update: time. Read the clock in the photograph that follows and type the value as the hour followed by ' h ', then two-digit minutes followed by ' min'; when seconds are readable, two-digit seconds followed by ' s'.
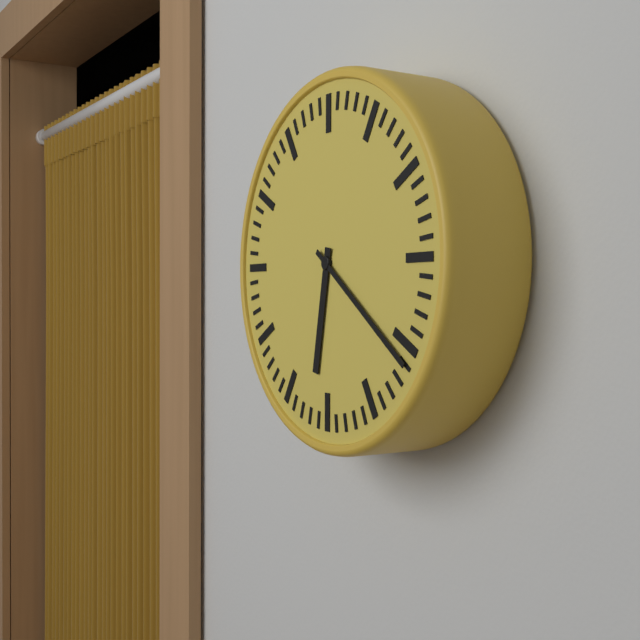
6 h 21 min
